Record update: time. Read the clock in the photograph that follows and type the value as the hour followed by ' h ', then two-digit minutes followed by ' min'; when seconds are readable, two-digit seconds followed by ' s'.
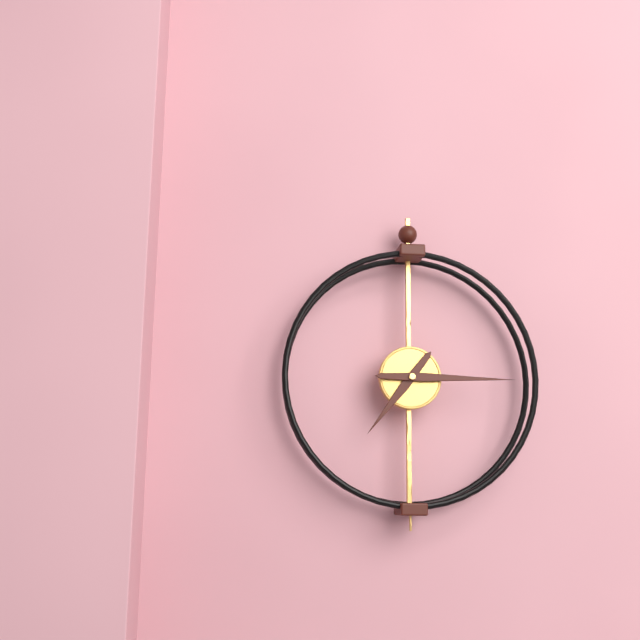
7 h 15 min
